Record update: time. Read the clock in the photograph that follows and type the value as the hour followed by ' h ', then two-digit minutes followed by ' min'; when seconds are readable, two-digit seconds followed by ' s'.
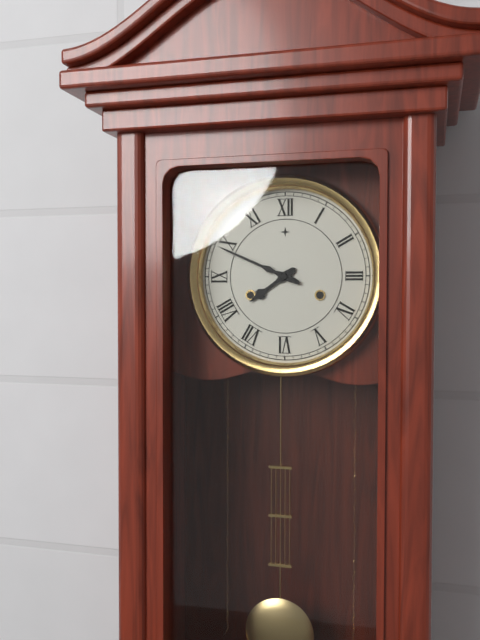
7 h 49 min
